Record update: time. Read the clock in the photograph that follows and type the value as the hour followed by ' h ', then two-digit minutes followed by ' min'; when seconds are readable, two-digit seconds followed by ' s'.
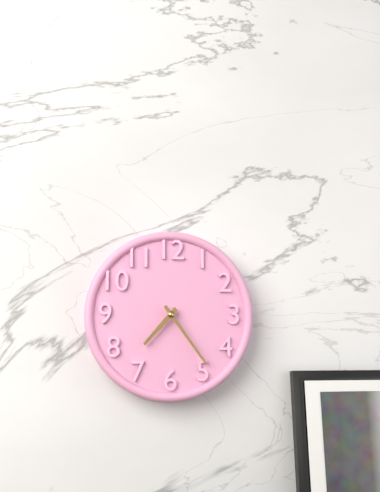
7 h 24 min
